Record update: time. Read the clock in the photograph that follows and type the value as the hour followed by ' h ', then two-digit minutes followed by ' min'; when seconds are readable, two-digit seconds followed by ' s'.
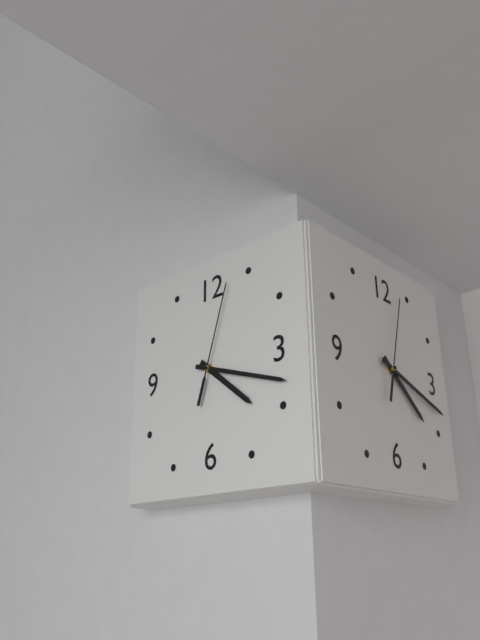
4 h 18 min 03 s
